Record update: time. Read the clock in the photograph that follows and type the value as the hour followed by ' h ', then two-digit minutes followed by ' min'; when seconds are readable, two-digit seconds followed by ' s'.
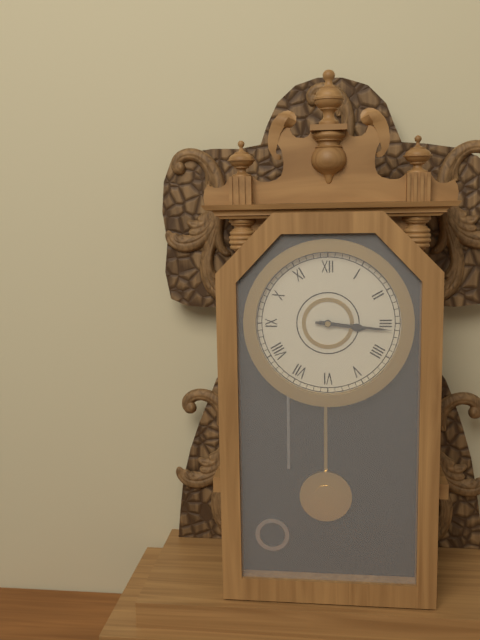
3 h 16 min
